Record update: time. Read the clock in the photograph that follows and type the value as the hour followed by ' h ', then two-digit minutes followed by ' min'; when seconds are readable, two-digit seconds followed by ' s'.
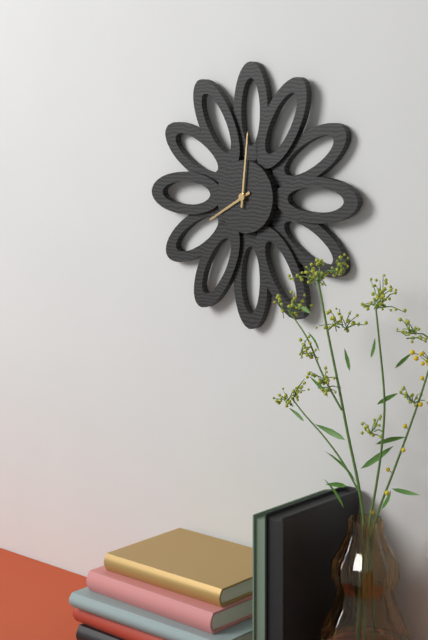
8 h 01 min
